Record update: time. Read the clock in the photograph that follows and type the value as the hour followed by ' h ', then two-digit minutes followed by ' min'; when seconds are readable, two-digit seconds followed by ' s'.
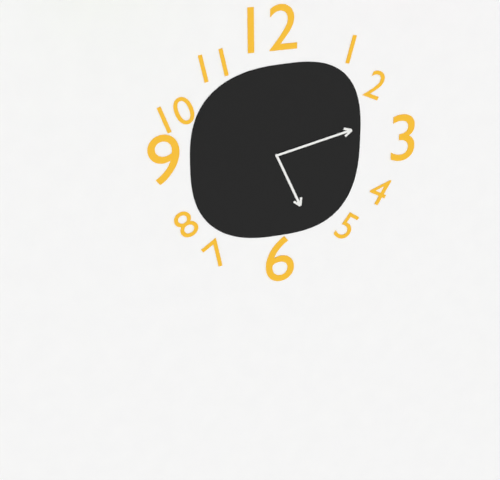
5 h 13 min
